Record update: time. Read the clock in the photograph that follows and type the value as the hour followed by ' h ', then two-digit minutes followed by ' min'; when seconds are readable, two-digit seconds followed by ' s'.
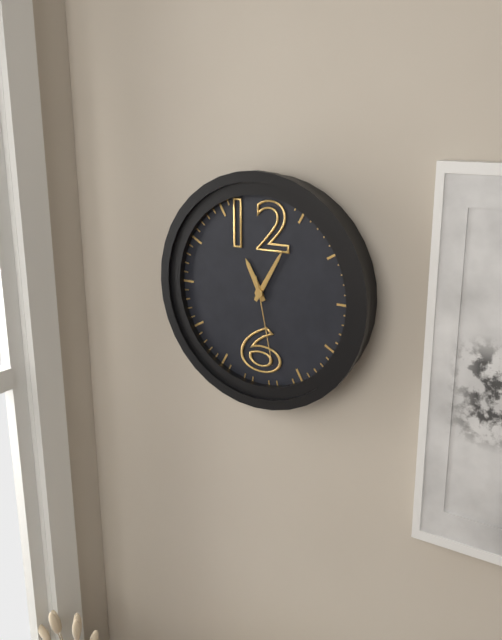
11 h 05 min 28 s
